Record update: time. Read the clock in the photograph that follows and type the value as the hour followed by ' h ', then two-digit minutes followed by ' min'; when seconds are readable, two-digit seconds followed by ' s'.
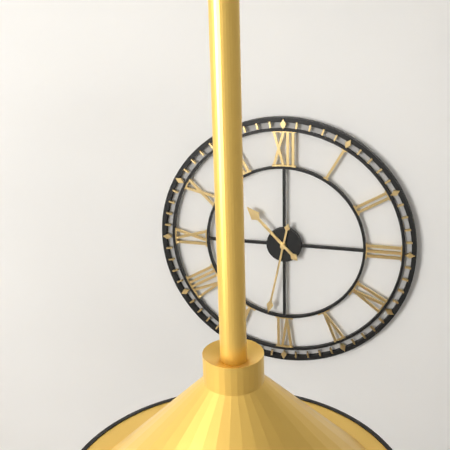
10 h 32 min
